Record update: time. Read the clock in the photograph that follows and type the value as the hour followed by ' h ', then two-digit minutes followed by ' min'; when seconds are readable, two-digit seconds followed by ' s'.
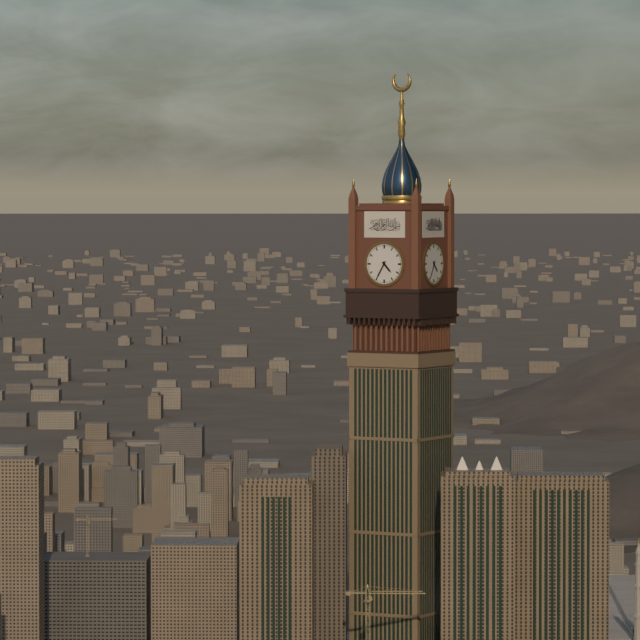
4 h 35 min
